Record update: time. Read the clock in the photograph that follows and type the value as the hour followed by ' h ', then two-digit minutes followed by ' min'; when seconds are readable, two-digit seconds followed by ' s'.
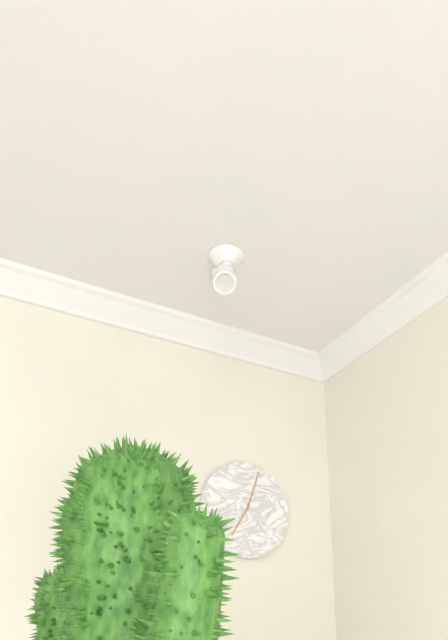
7 h 03 min
